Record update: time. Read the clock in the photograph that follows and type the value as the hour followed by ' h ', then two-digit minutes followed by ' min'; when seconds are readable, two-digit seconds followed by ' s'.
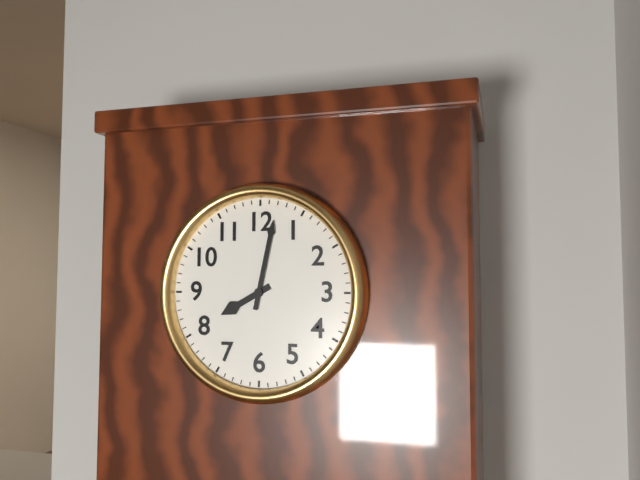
8 h 02 min
